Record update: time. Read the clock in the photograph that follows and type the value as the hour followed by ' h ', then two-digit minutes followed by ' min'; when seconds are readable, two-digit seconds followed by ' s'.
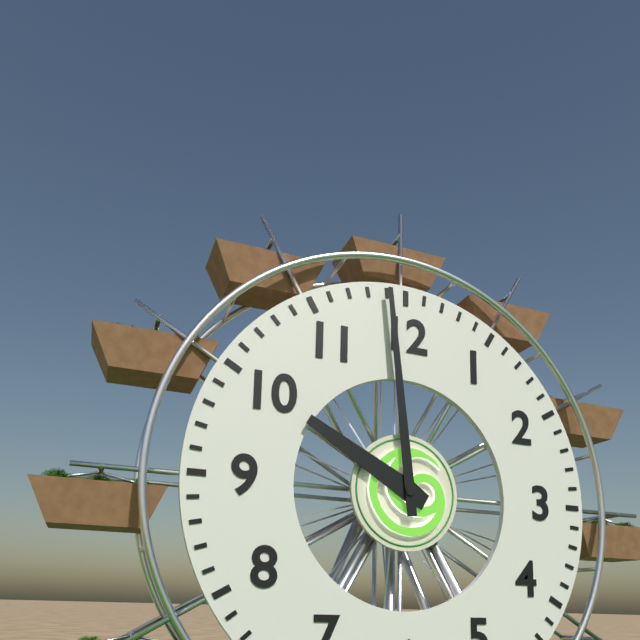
9 h 59 min
